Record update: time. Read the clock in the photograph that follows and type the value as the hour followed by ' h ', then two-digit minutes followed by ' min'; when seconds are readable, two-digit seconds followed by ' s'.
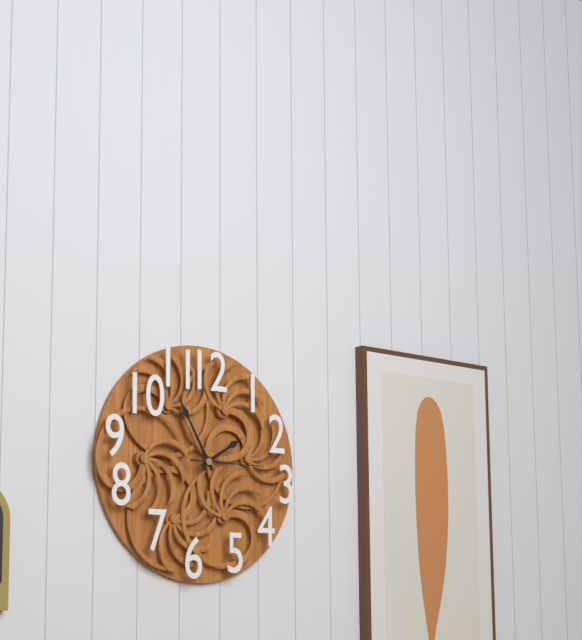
1 h 55 min 15 s
